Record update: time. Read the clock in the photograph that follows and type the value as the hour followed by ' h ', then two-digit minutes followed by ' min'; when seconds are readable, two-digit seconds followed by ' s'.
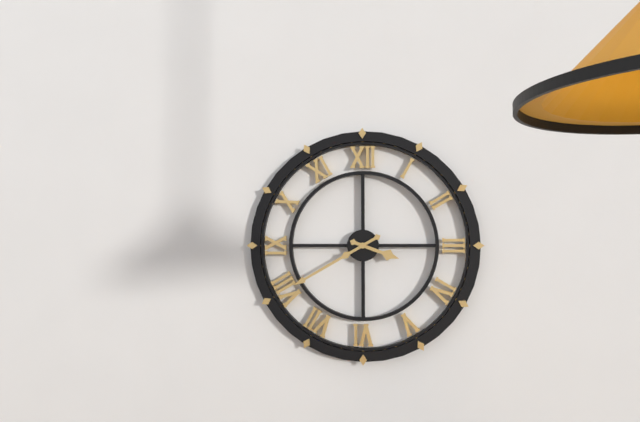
3 h 40 min
